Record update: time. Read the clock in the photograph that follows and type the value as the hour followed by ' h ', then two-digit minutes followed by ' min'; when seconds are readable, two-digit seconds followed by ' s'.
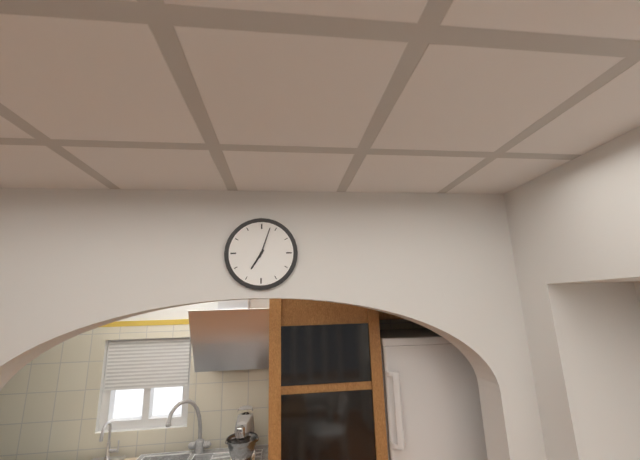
7 h 03 min
